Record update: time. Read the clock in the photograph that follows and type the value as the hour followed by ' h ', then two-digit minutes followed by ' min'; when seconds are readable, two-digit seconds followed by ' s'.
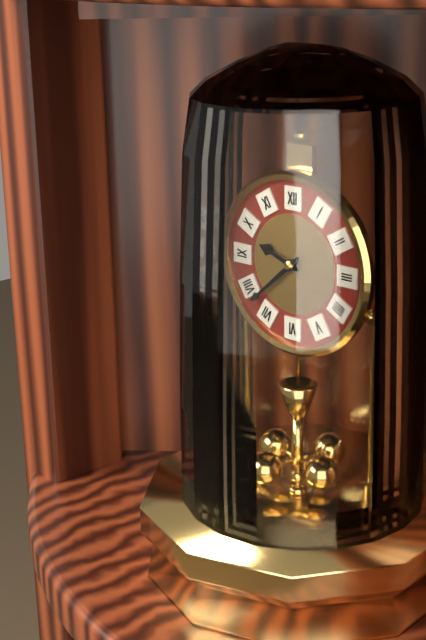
9 h 38 min
